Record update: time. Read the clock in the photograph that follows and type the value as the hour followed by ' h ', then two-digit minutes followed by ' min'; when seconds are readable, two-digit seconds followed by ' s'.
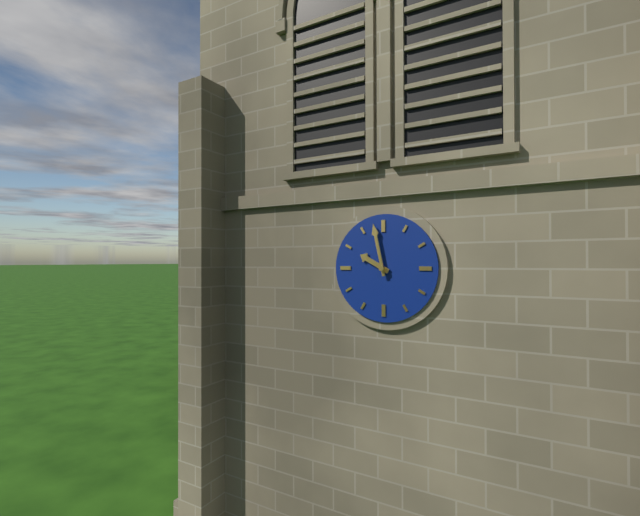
9 h 58 min
